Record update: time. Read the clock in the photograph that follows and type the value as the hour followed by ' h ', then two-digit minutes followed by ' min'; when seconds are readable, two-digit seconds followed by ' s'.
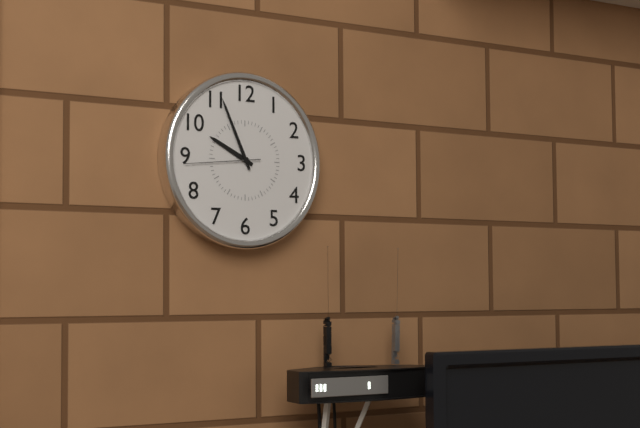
9 h 56 min 44 s
